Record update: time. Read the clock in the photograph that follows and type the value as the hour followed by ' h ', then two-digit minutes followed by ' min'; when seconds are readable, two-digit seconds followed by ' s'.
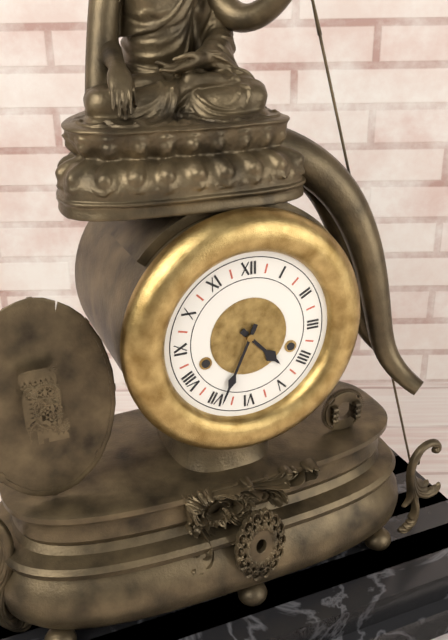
4 h 34 min
